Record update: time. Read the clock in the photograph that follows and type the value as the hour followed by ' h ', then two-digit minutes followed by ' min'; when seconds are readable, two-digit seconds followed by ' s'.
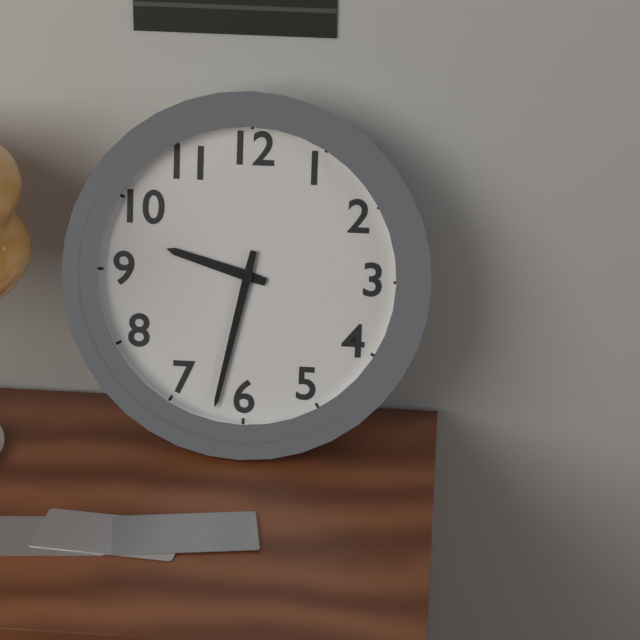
9 h 32 min
